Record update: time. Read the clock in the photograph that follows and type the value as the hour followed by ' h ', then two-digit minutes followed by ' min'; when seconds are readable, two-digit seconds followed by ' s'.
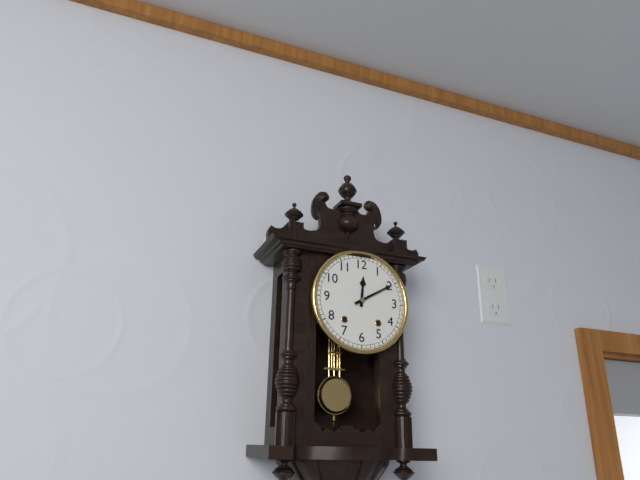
12 h 10 min
